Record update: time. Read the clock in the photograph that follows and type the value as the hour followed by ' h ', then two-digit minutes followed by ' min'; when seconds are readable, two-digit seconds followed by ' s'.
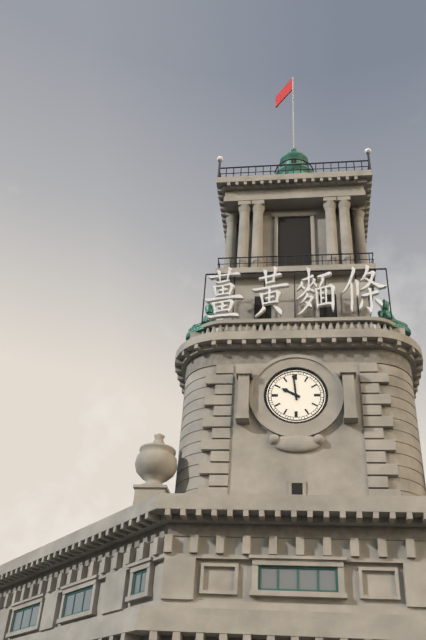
9 h 59 min
